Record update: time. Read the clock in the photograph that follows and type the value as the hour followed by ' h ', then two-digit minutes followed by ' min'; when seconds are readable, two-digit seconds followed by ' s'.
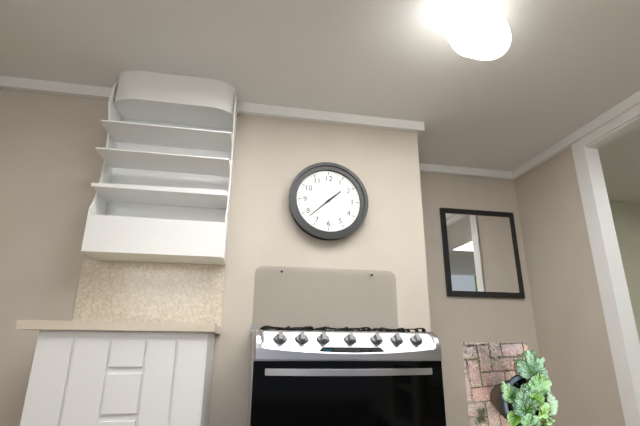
1 h 38 min
